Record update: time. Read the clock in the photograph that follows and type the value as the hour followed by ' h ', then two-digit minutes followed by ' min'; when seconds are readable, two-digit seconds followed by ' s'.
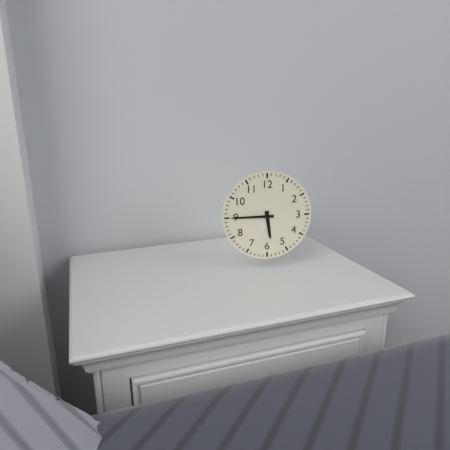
5 h 45 min
